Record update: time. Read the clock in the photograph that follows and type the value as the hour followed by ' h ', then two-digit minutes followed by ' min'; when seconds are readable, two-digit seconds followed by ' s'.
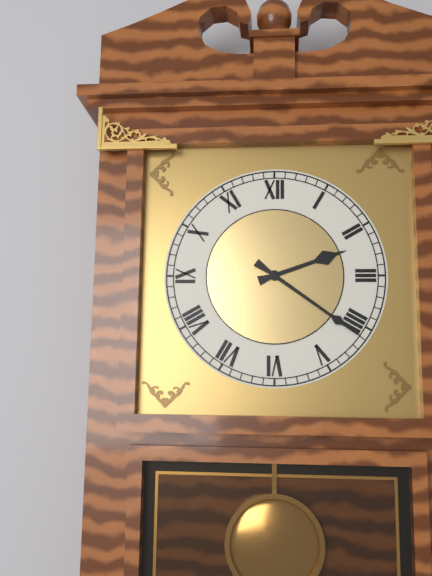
2 h 21 min
